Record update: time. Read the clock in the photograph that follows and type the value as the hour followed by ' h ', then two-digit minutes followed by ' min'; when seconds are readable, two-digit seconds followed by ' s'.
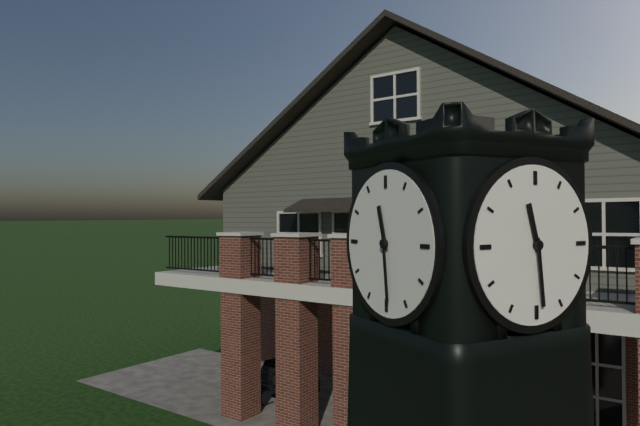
11 h 29 min
